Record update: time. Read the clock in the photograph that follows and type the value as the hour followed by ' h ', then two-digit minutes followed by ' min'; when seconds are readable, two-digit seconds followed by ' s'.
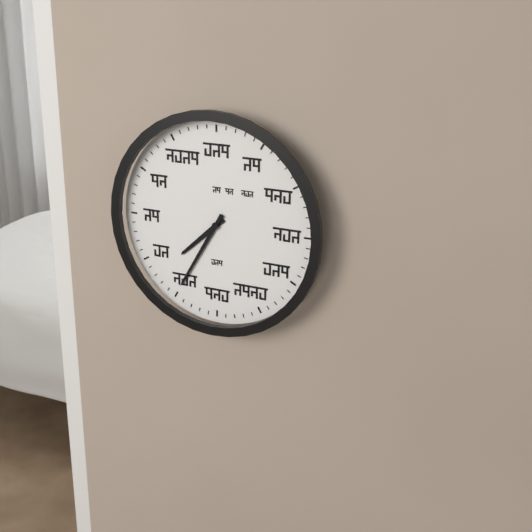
7 h 35 min
